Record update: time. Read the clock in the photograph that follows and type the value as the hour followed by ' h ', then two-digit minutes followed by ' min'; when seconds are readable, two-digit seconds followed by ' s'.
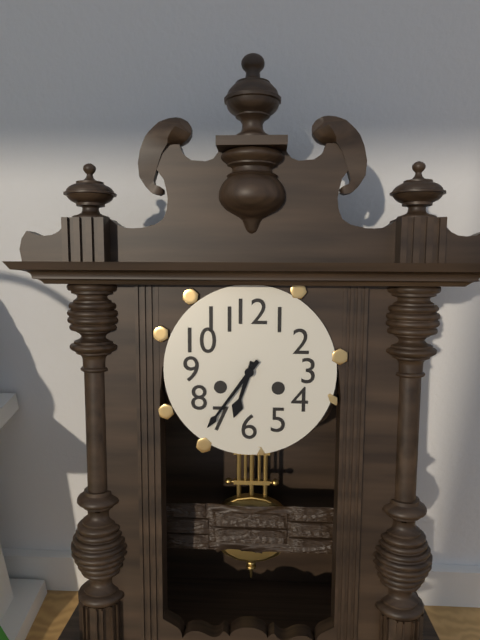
6 h 36 min
